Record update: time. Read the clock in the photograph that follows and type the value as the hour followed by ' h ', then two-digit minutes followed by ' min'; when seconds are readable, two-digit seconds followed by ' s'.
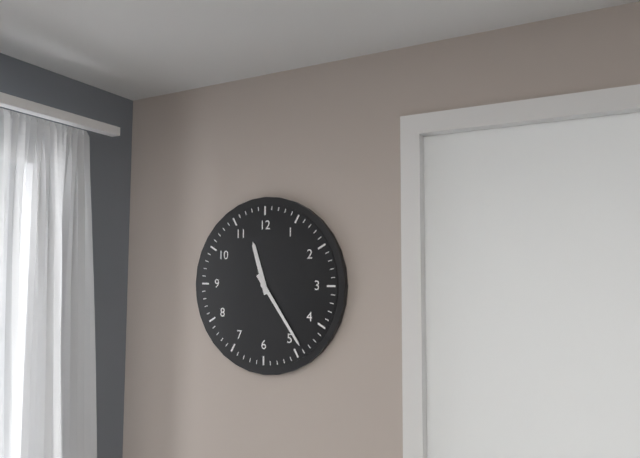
11 h 24 min
